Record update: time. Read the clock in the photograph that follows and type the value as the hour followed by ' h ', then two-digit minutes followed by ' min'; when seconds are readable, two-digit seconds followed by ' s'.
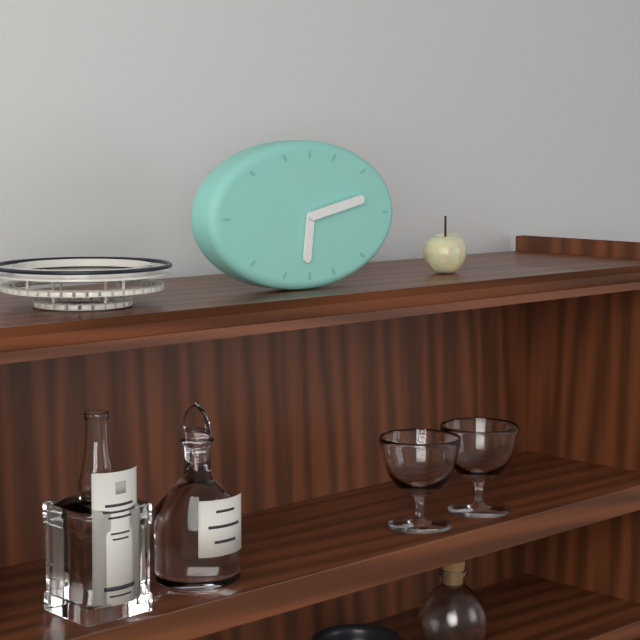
6 h 13 min
